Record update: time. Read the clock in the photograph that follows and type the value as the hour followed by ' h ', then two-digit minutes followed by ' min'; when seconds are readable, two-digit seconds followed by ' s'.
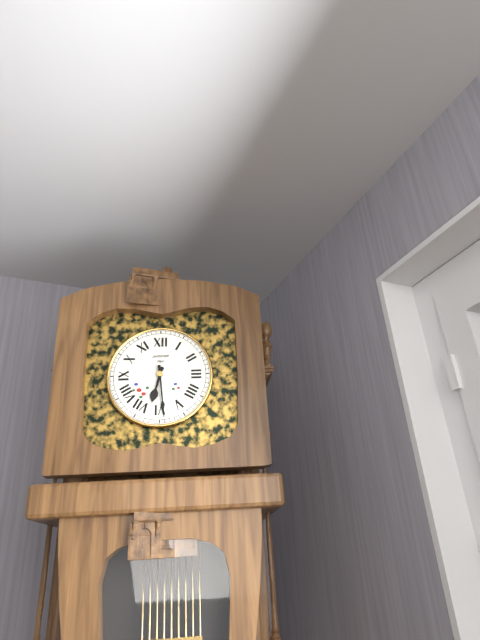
6 h 29 min
